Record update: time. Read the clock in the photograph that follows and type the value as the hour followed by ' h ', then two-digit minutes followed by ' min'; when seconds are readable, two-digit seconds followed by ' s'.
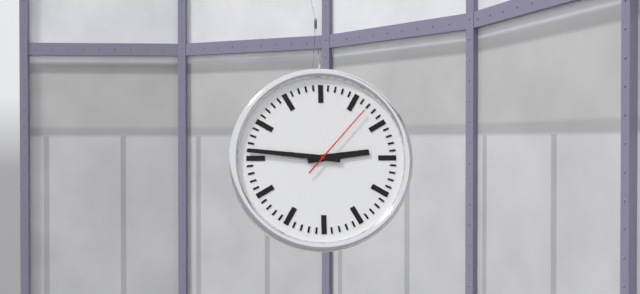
2 h 46 min 07 s
